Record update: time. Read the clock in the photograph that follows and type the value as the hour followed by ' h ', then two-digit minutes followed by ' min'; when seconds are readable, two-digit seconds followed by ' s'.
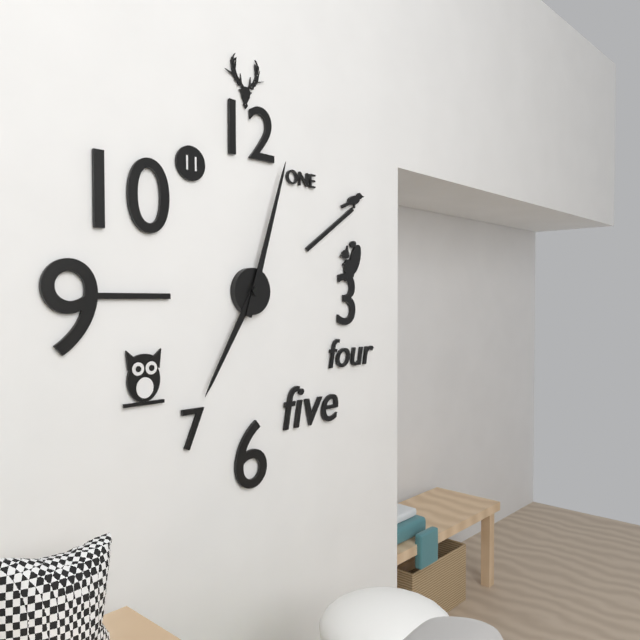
7 h 03 min
